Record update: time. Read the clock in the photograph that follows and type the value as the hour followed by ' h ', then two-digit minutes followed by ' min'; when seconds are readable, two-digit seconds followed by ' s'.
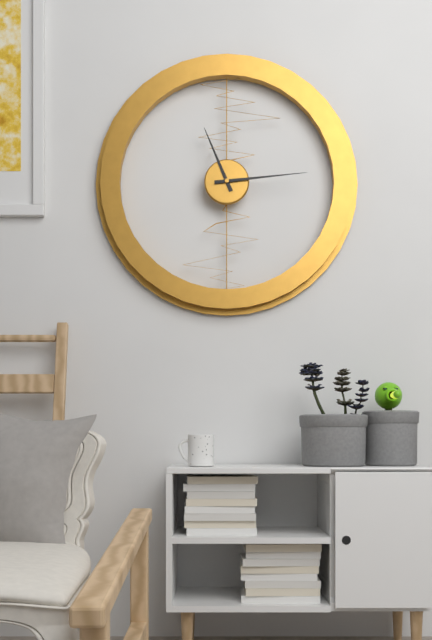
11 h 14 min
